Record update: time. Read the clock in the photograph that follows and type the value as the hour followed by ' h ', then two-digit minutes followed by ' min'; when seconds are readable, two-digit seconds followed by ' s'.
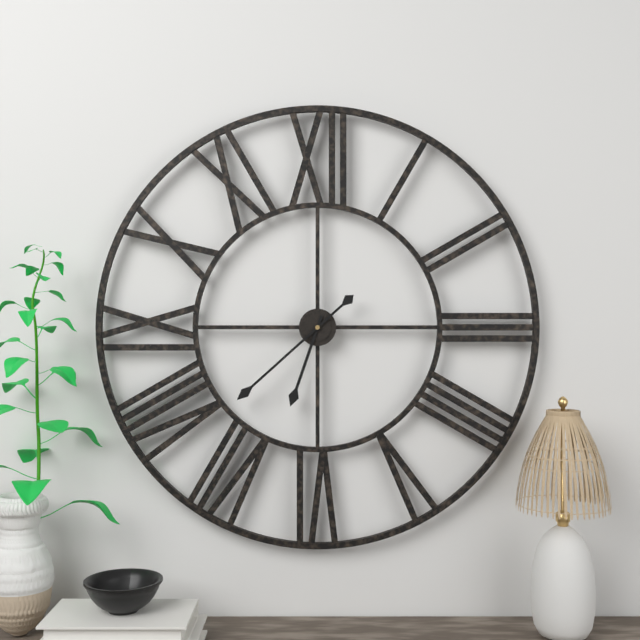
6 h 38 min
